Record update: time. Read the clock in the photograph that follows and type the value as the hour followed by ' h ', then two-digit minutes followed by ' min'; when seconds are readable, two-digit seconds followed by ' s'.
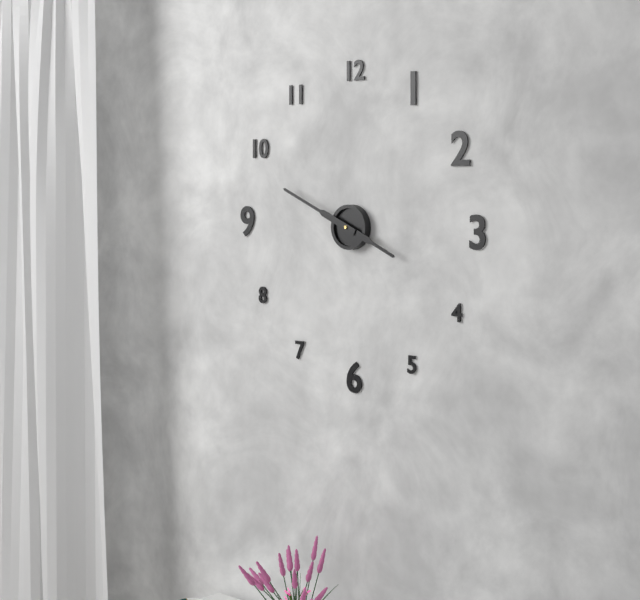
3 h 49 min
